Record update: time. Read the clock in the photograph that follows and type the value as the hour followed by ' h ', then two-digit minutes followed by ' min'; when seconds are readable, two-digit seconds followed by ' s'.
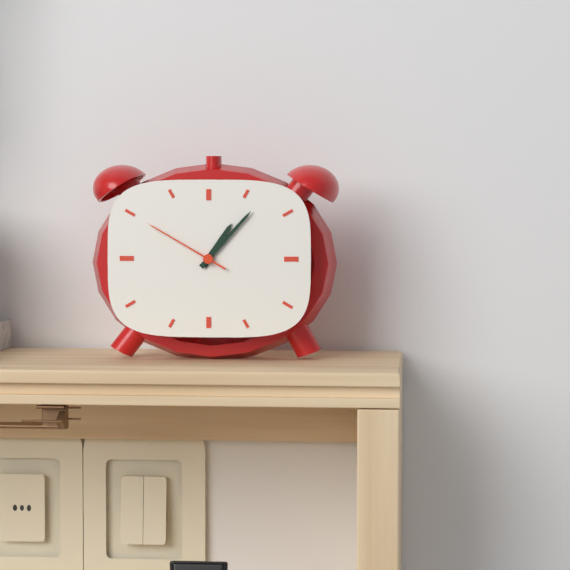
1 h 07 min 50 s
